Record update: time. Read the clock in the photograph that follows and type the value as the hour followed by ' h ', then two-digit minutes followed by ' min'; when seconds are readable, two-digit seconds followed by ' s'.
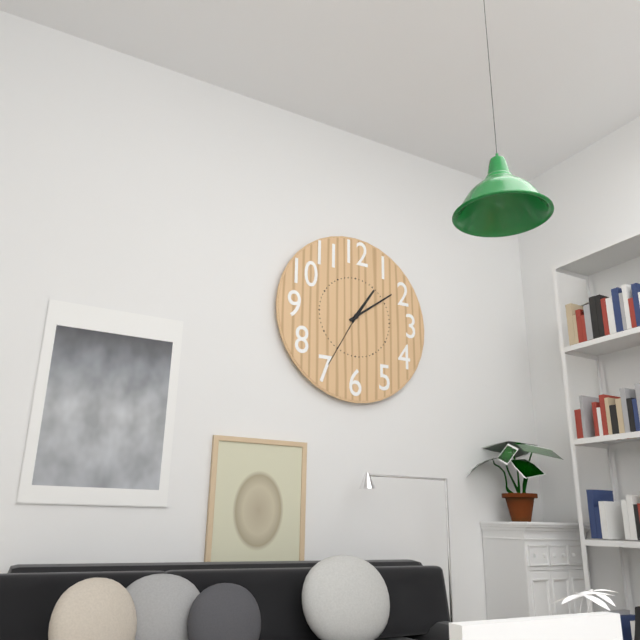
1 h 09 min 35 s
